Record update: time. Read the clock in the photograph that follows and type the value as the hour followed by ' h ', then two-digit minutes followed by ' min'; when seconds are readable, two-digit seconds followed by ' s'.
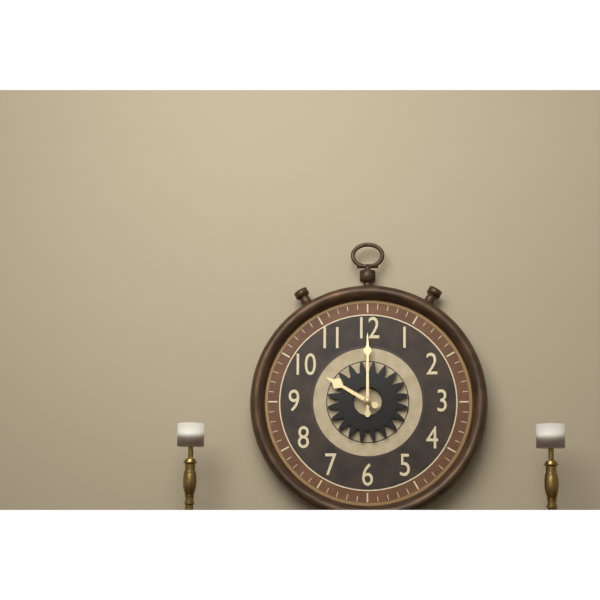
10 h 00 min
